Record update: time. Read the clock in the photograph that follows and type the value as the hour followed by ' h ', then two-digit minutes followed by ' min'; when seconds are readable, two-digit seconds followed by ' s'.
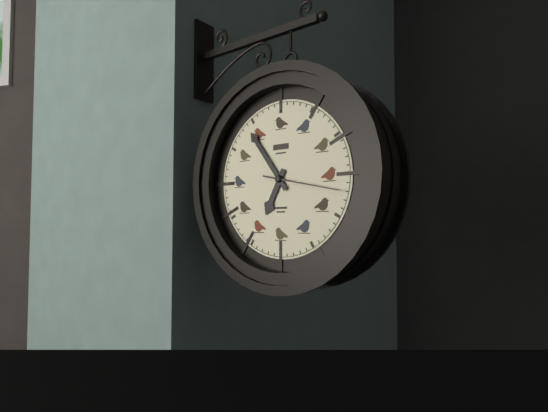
6 h 54 min 17 s
